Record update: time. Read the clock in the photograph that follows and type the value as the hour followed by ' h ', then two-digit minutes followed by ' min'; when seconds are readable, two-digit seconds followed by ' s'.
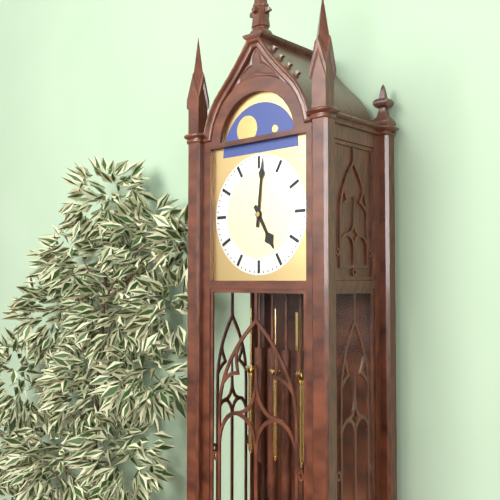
5 h 01 min
